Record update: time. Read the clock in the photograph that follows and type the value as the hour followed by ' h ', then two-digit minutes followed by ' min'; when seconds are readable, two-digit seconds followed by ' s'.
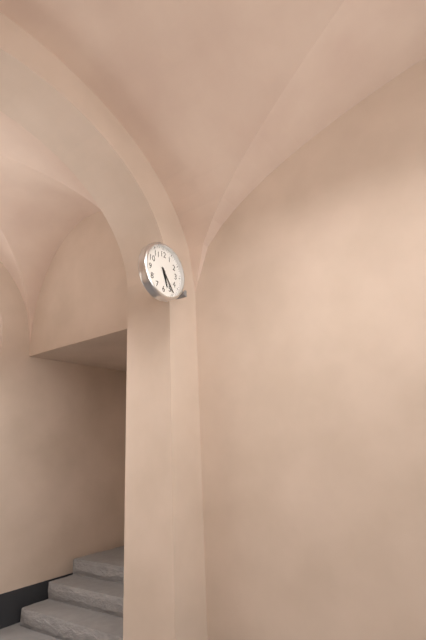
5 h 24 min
